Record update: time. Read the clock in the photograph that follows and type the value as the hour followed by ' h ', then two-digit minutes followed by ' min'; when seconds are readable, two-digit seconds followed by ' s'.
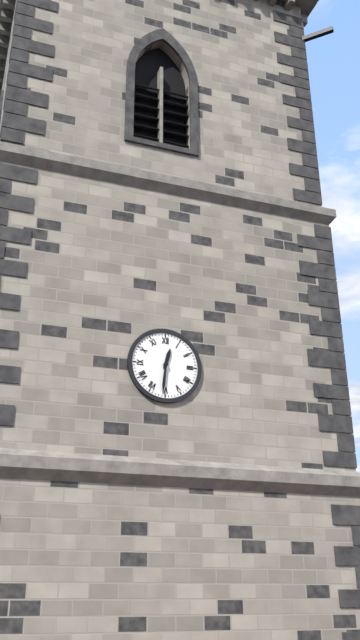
12 h 31 min
